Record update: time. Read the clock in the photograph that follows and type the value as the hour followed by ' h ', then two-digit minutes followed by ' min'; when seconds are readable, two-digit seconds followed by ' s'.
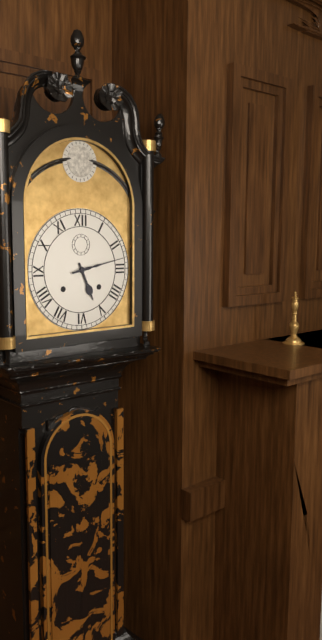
5 h 13 min
